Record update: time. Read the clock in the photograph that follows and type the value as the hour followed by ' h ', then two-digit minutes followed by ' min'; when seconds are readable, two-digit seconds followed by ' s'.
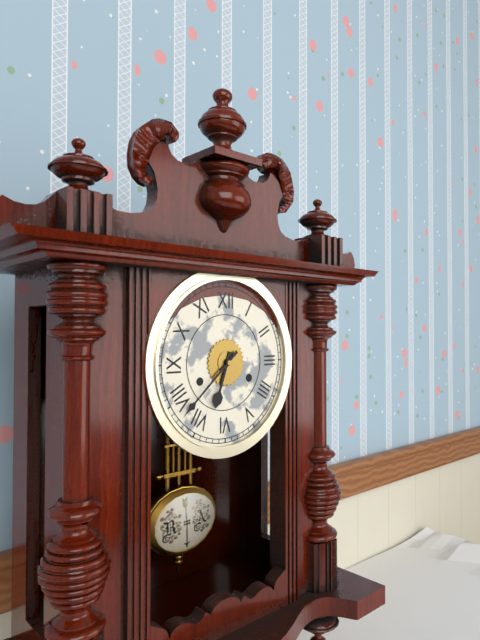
6 h 38 min
